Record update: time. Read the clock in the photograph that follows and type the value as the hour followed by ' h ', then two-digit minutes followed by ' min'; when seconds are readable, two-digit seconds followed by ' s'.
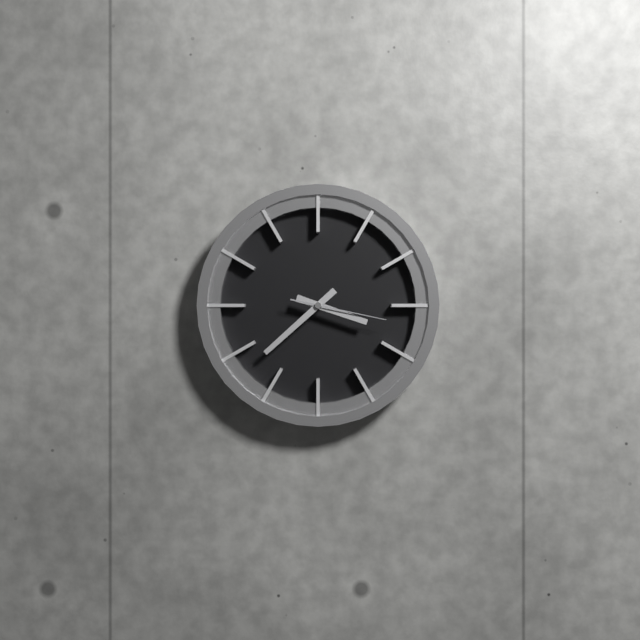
3 h 38 min 17 s
